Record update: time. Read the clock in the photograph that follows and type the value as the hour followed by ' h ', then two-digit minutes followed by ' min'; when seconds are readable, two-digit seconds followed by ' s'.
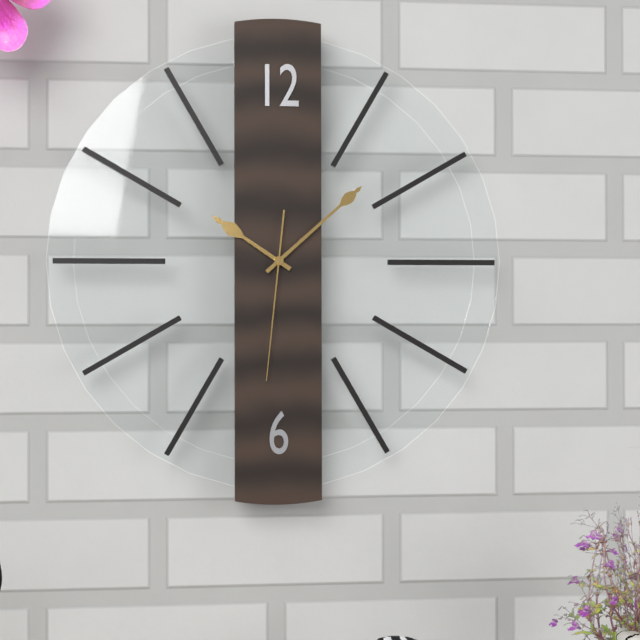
10 h 08 min 31 s
